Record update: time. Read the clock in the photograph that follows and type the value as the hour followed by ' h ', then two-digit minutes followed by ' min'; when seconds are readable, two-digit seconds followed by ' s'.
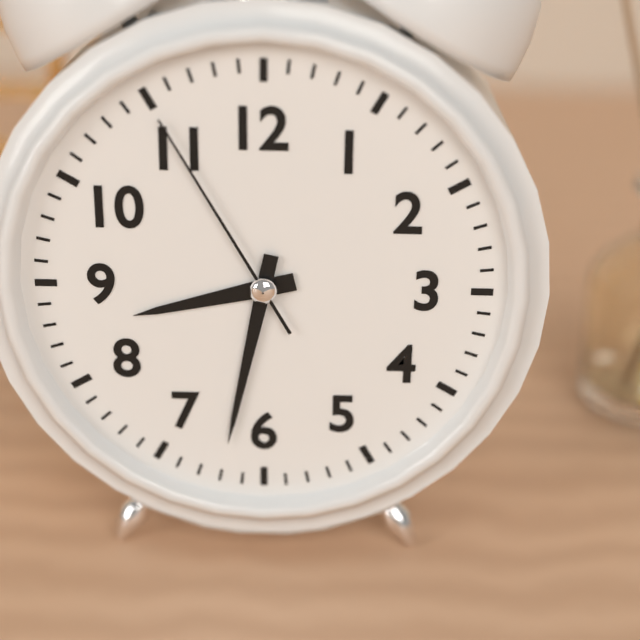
8 h 32 min 55 s
